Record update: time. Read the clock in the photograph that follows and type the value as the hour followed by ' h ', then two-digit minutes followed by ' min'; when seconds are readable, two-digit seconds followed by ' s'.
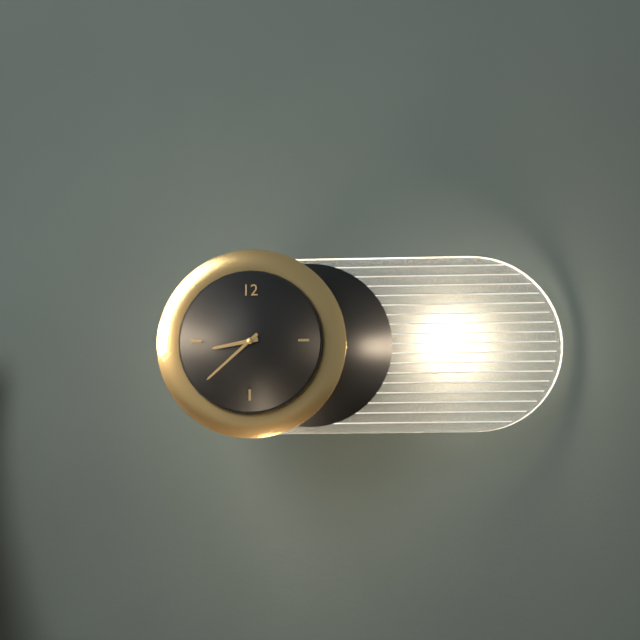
8 h 38 min
